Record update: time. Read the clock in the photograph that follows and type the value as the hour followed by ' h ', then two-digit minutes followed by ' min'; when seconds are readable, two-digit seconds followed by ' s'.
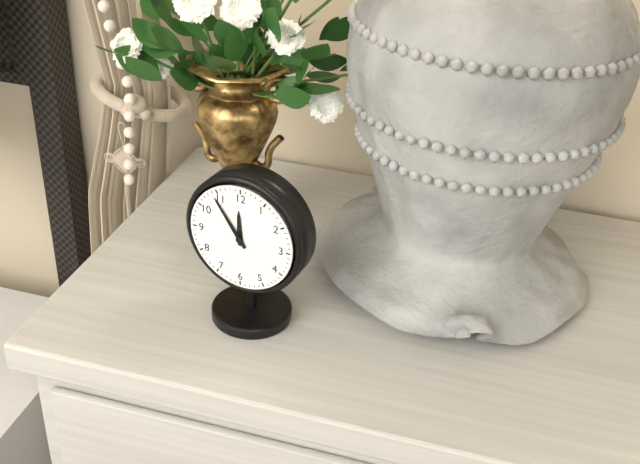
11 h 54 min
